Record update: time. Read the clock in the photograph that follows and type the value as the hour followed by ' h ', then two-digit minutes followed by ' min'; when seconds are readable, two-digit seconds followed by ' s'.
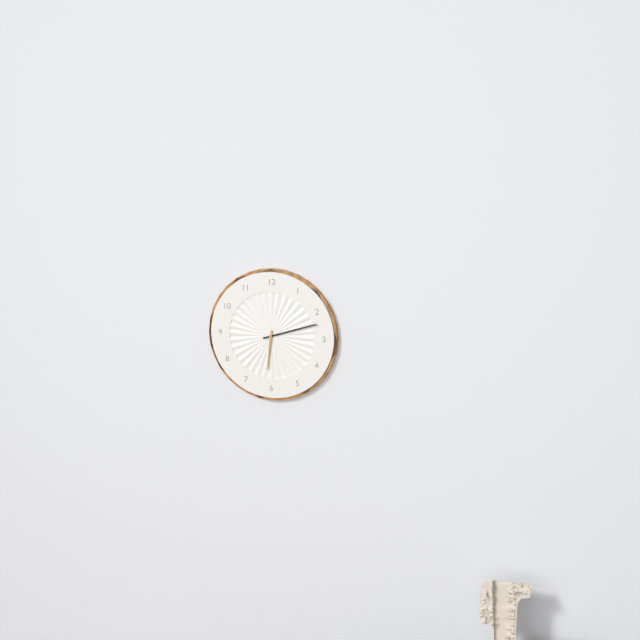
6 h 12 min
